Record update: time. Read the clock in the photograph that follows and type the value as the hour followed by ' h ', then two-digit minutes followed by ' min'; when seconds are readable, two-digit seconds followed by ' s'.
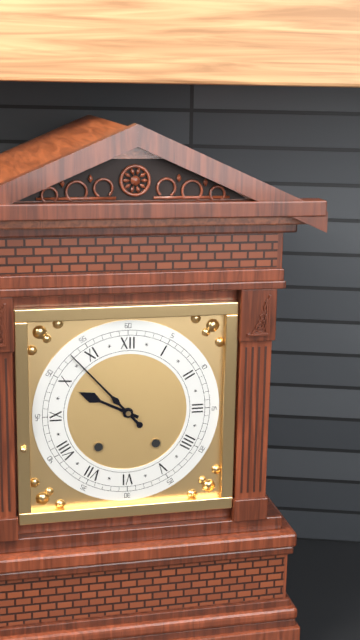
9 h 53 min
